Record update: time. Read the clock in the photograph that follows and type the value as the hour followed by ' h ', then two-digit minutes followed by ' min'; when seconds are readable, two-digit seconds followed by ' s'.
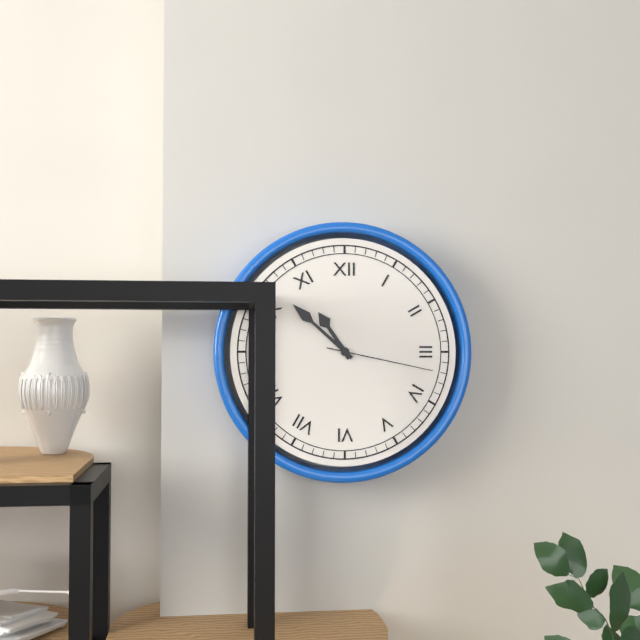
10 h 52 min 17 s
